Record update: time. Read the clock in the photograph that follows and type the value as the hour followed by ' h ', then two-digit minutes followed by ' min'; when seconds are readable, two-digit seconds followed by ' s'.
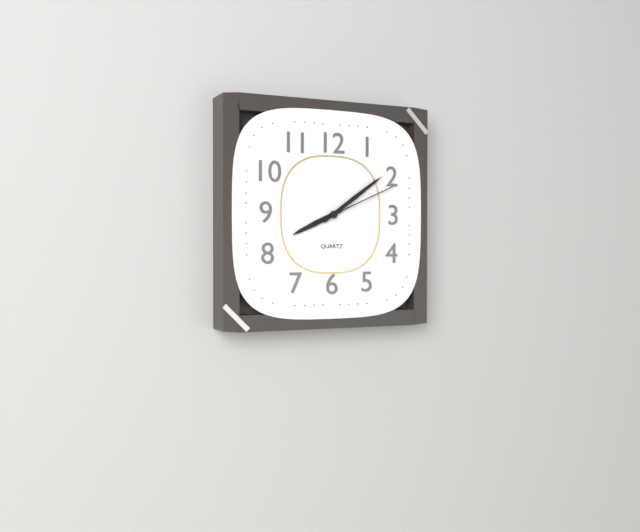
8 h 09 min 11 s
